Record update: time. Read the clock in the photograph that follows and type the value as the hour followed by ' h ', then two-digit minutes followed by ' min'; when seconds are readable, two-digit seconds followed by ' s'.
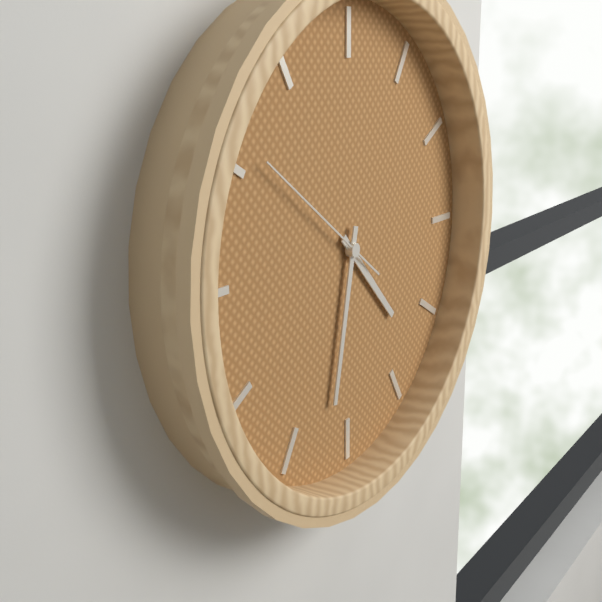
4 h 32 min 51 s
